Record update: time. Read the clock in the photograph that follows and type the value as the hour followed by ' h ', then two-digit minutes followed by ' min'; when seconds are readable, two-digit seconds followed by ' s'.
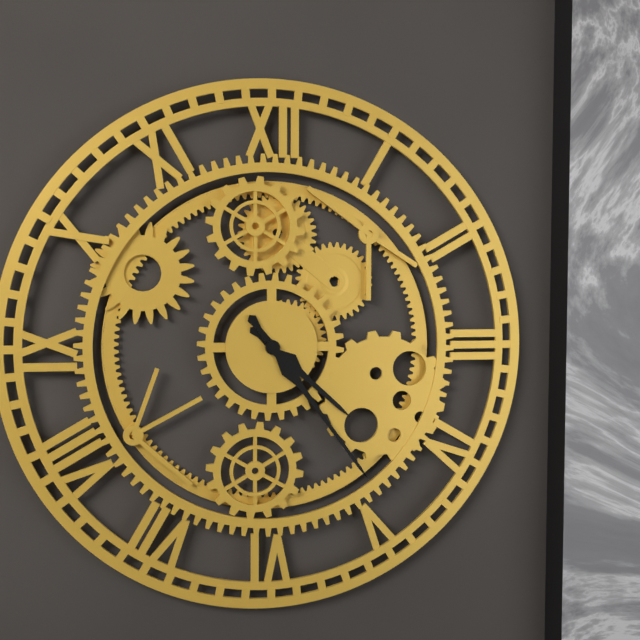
4 h 24 min
